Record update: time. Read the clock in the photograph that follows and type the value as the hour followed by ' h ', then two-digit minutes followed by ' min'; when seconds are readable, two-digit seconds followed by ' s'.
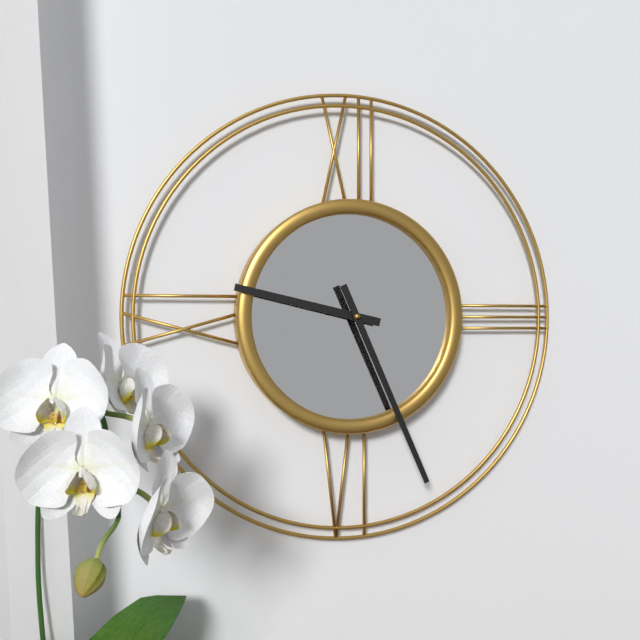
9 h 26 min
